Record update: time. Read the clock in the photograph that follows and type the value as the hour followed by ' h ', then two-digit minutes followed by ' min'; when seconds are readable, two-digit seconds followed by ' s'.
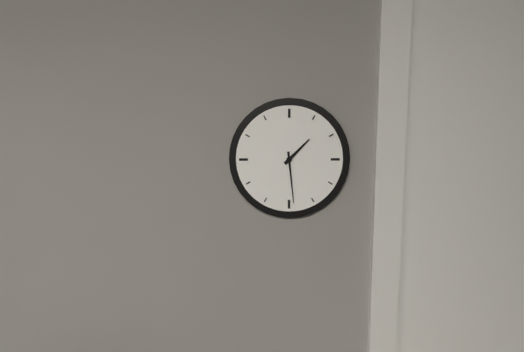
1 h 29 min
